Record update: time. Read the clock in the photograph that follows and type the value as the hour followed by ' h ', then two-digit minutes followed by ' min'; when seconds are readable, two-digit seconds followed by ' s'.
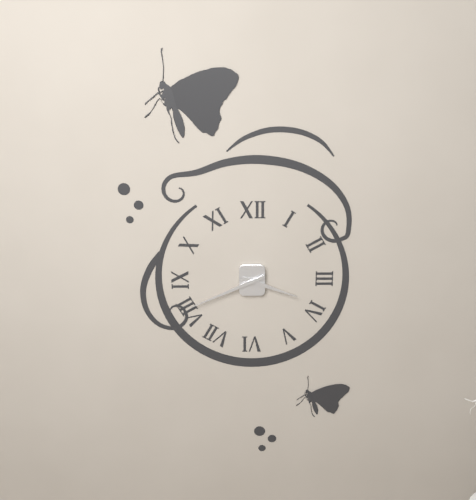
3 h 41 min
